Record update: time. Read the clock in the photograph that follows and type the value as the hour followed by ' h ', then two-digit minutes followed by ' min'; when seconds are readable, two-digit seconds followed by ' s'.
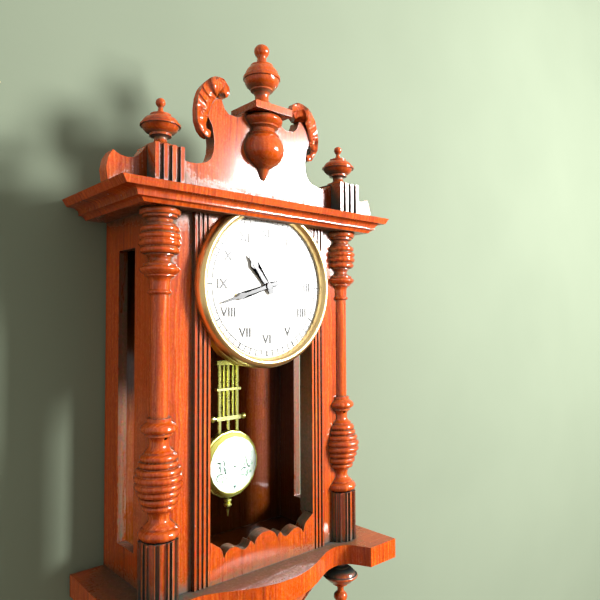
10 h 42 min
